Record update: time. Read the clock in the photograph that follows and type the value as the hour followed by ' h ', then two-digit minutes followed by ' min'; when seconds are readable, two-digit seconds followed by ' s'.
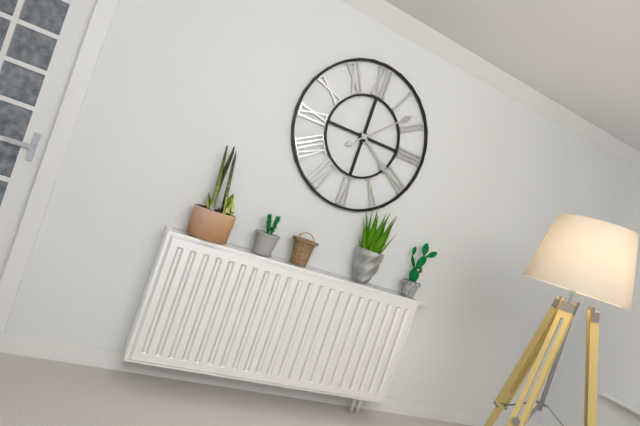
4 h 08 min
